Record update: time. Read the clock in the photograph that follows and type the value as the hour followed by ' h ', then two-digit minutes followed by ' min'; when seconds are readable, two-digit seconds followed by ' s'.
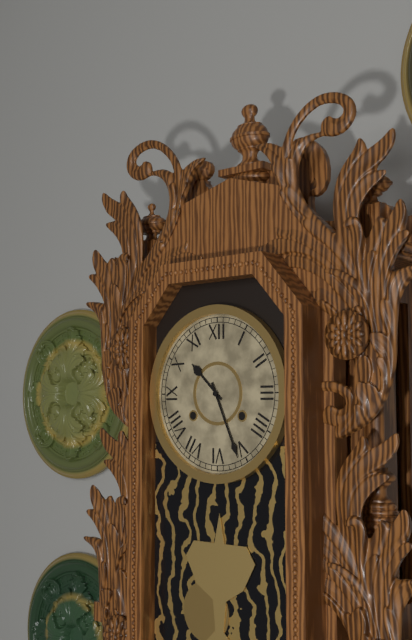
10 h 26 min
